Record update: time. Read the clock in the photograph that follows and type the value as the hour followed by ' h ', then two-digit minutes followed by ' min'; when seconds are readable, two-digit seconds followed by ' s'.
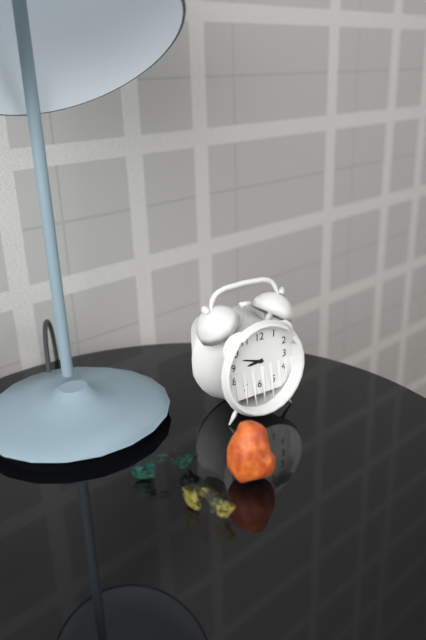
8 h 48 min
